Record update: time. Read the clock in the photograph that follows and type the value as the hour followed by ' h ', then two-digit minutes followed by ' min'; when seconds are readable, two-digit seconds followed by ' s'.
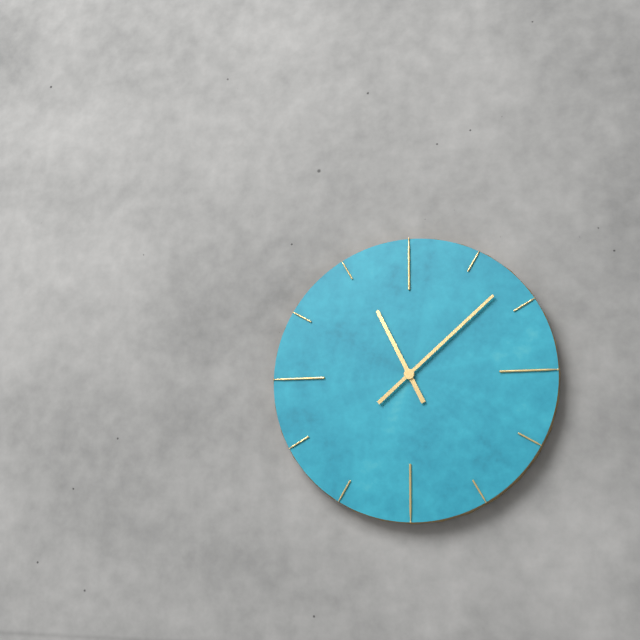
11 h 08 min
